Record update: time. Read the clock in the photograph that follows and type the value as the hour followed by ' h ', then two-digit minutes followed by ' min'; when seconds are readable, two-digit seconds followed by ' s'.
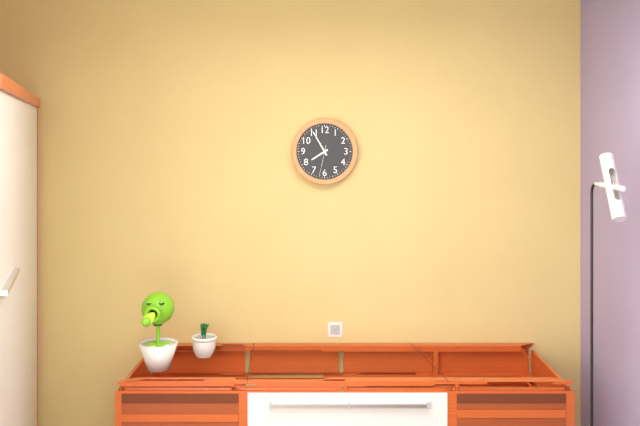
7 h 55 min
